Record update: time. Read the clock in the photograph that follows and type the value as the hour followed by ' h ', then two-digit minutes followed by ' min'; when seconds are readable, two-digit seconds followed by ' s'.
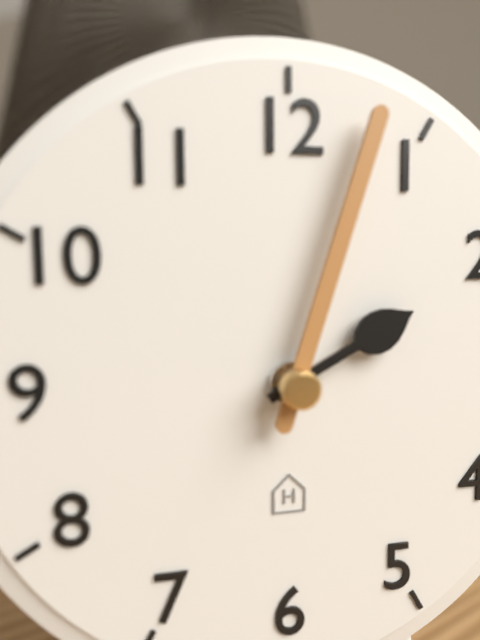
2 h 03 min
